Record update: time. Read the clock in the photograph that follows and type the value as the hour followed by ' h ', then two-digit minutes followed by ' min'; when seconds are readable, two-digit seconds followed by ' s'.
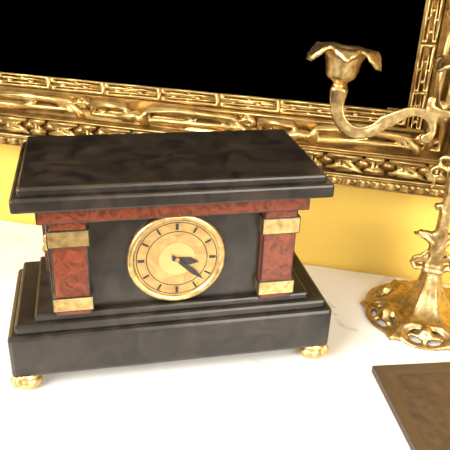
3 h 22 min
